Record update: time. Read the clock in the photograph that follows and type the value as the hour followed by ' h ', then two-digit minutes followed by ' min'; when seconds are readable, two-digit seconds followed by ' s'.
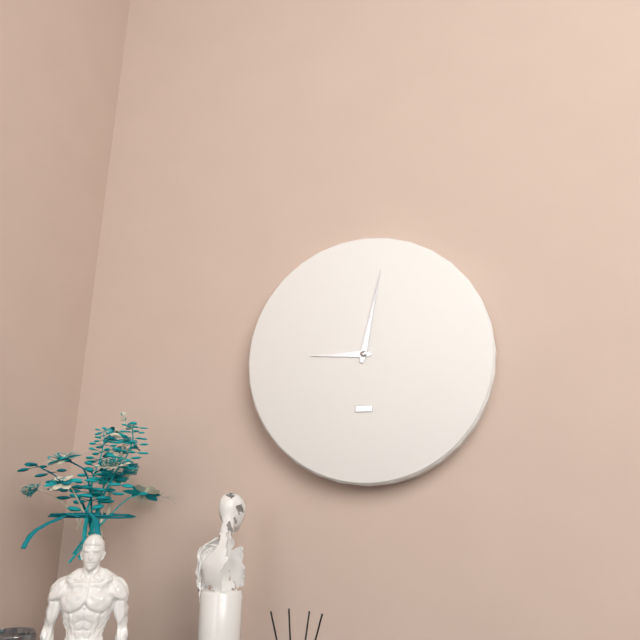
9 h 02 min
